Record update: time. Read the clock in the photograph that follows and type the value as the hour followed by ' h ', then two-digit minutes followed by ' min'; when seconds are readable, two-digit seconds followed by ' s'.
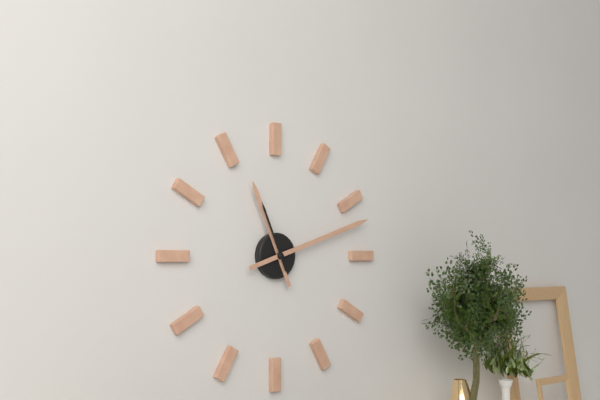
11 h 12 min 56 s
